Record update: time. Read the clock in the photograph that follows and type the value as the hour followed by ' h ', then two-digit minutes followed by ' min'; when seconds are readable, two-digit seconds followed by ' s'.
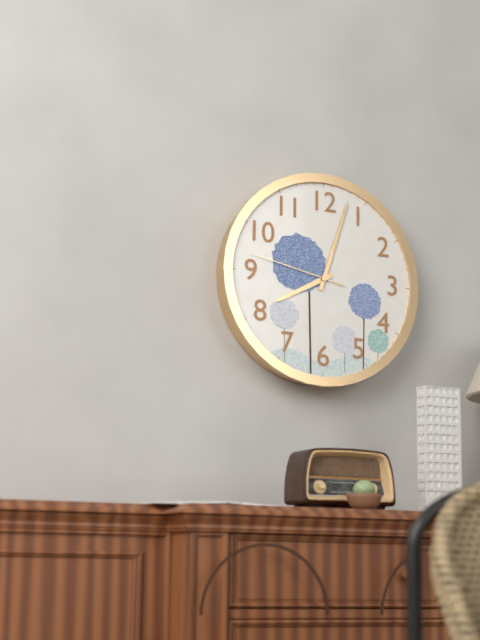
8 h 03 min 47 s
